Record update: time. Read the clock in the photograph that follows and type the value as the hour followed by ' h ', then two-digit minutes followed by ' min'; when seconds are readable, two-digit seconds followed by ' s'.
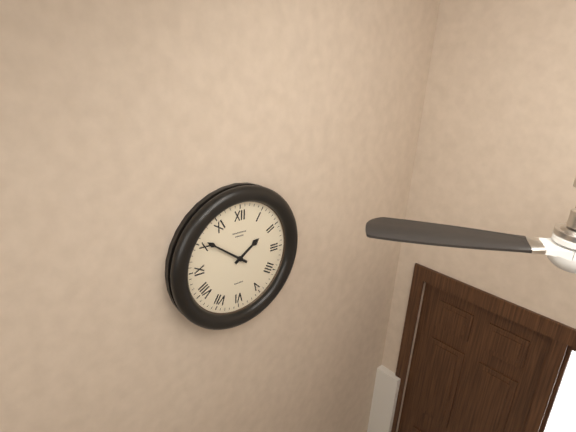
1 h 51 min
